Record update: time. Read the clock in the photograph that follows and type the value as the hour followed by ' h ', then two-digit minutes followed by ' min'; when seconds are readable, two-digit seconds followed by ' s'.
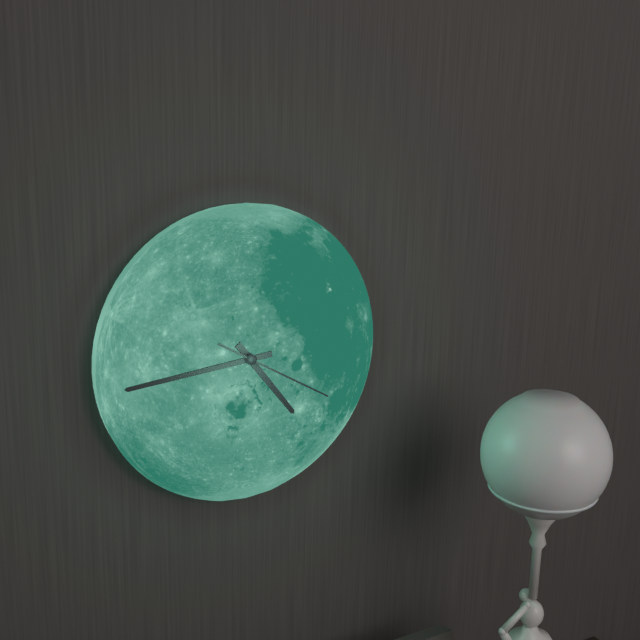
4 h 44 min 20 s
